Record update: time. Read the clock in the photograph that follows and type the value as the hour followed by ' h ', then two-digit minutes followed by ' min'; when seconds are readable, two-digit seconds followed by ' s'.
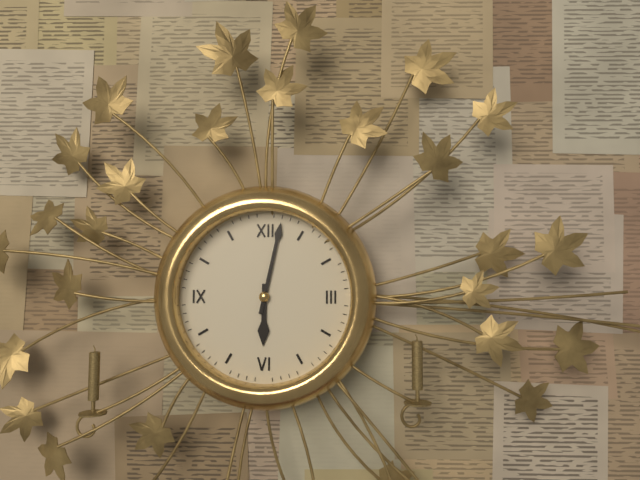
6 h 02 min
